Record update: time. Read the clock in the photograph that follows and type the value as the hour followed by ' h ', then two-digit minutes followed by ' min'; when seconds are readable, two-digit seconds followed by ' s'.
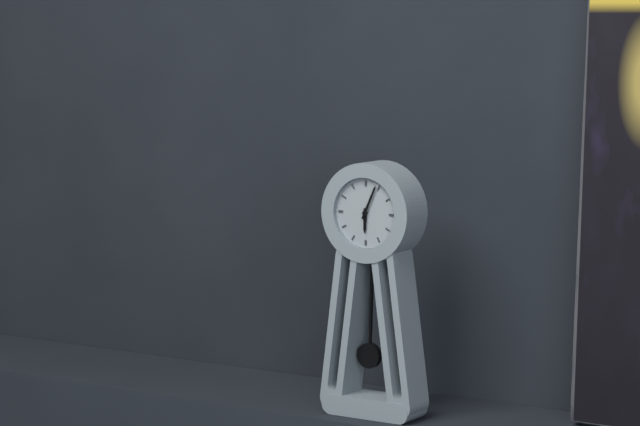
6 h 04 min
